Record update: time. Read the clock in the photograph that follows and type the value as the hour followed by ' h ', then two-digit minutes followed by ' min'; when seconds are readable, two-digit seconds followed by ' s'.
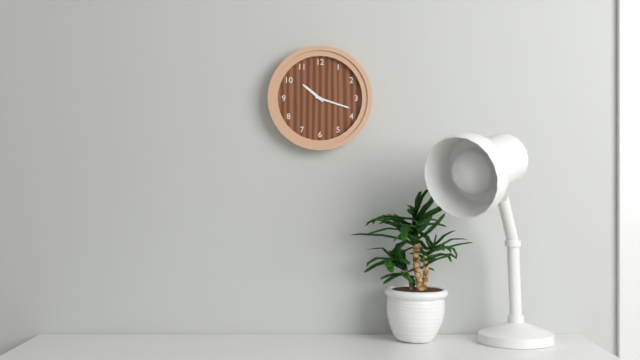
10 h 18 min
